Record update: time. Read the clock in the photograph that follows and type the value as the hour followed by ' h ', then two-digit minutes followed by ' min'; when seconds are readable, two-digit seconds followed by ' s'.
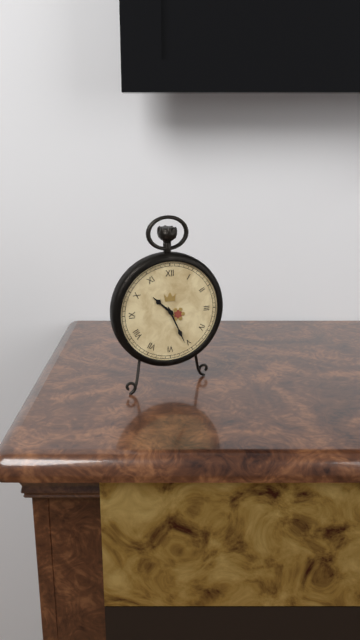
10 h 26 min
